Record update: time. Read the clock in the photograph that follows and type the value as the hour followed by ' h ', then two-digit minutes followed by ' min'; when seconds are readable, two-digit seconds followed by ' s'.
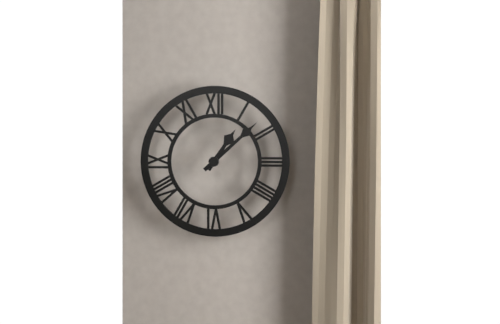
1 h 08 min
